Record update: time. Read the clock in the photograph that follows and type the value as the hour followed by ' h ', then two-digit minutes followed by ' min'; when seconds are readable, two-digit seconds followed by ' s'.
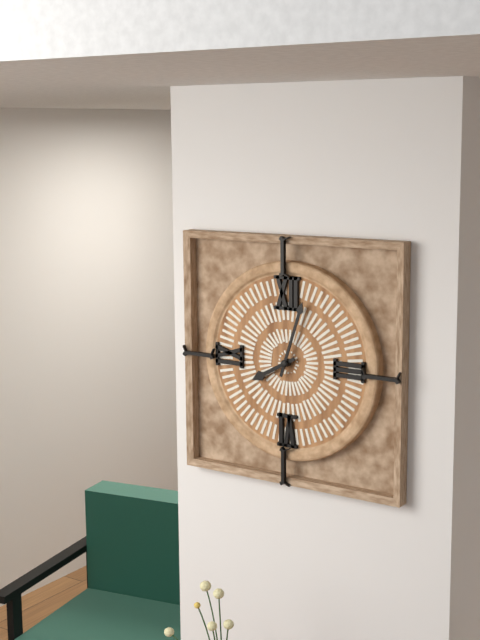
8 h 03 min
